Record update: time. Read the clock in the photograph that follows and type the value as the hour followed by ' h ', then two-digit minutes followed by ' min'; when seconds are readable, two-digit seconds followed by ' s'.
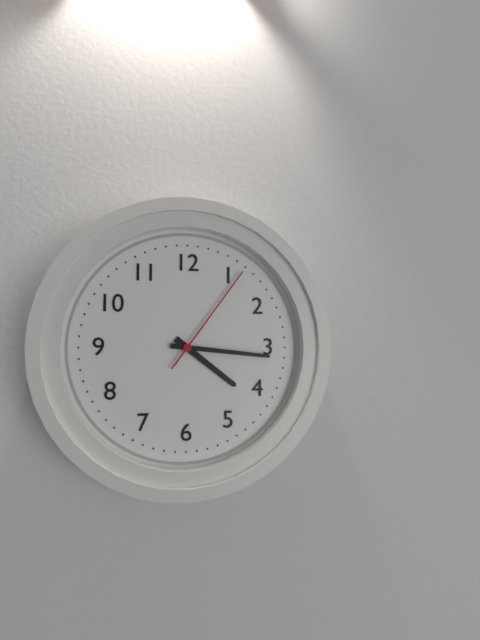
4 h 16 min 06 s
